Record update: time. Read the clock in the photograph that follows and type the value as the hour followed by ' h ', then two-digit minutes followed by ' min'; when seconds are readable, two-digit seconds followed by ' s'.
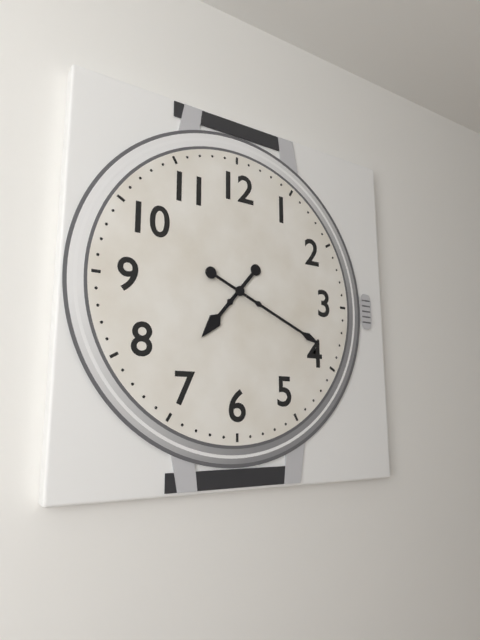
7 h 19 min
